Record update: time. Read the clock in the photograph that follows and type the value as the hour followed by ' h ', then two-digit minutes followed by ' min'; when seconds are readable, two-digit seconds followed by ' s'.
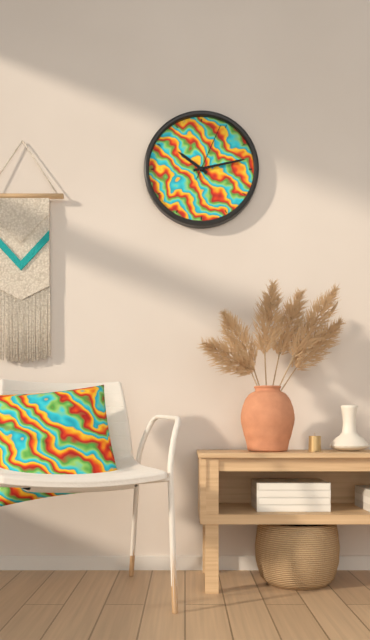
10 h 13 min 04 s
